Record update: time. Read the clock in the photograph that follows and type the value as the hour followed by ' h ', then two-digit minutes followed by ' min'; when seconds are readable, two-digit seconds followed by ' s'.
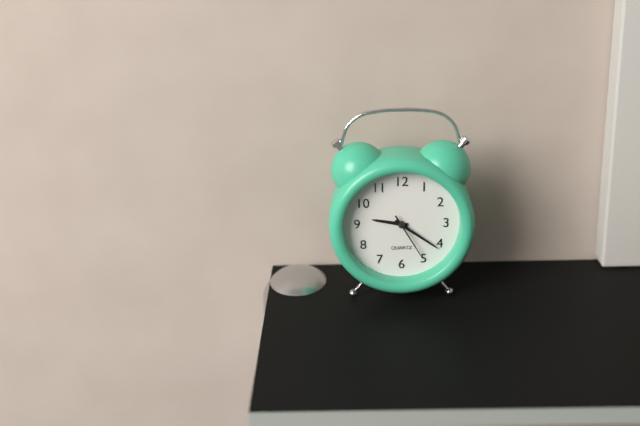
9 h 21 min 25 s
